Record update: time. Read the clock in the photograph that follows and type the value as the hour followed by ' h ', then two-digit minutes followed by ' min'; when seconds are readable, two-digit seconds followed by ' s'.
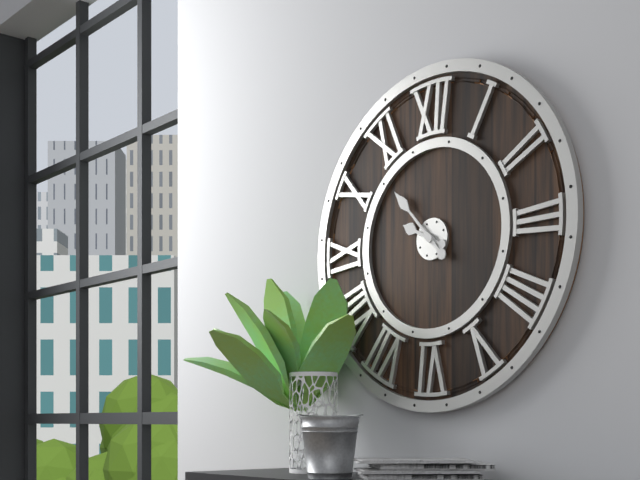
9 h 53 min
